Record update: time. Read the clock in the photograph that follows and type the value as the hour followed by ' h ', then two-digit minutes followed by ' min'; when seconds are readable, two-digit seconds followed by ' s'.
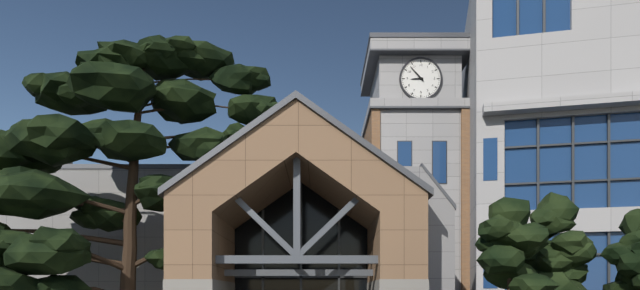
8 h 53 min
